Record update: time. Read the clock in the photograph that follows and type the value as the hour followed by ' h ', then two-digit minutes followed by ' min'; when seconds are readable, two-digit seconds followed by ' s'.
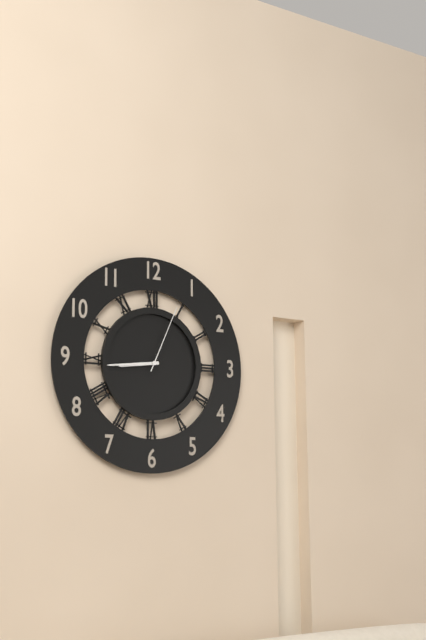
8 h 44 min 04 s
